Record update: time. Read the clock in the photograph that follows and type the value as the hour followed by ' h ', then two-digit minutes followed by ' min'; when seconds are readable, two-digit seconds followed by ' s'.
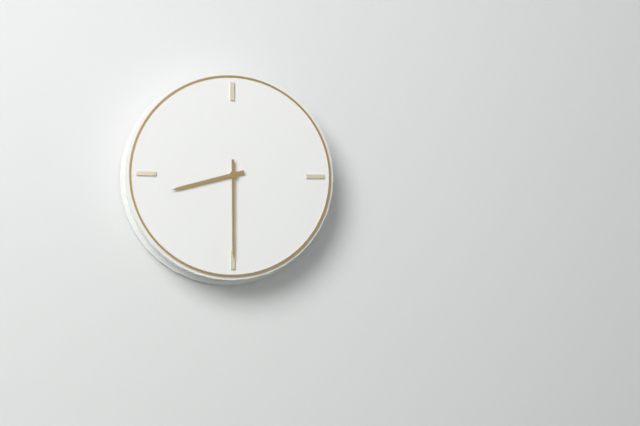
8 h 30 min
